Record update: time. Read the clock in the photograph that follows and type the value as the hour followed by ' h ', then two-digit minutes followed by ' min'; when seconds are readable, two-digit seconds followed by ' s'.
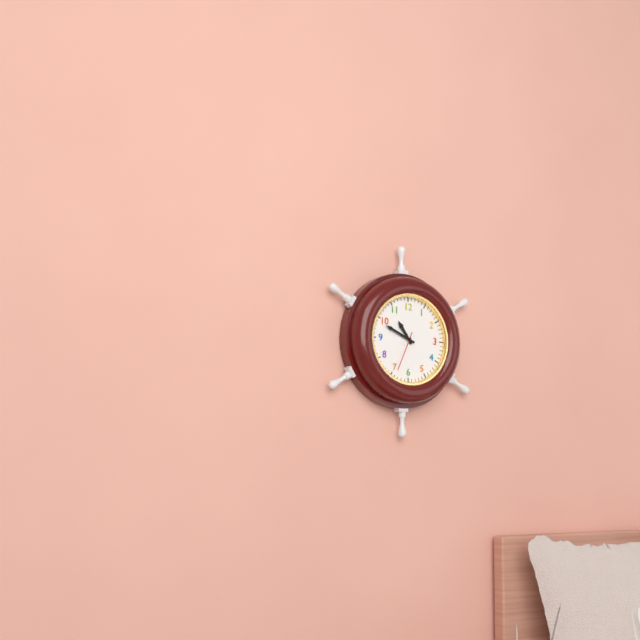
10 h 49 min
